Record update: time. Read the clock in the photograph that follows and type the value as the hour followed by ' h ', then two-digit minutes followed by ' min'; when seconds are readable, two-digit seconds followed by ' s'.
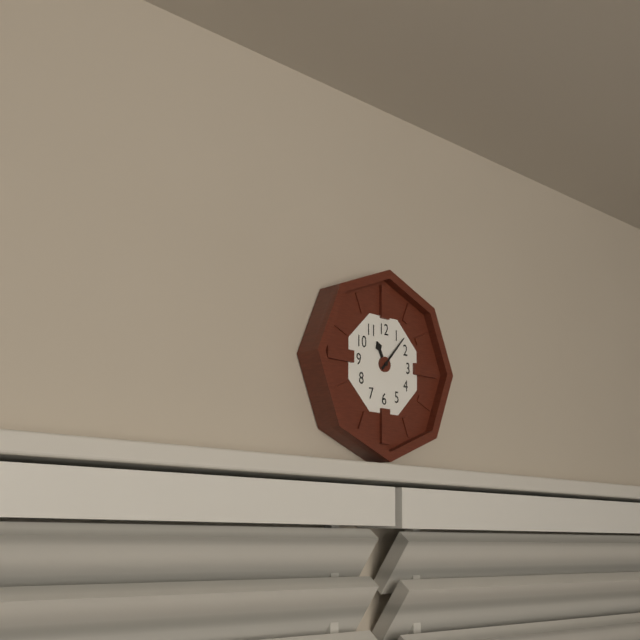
11 h 07 min
